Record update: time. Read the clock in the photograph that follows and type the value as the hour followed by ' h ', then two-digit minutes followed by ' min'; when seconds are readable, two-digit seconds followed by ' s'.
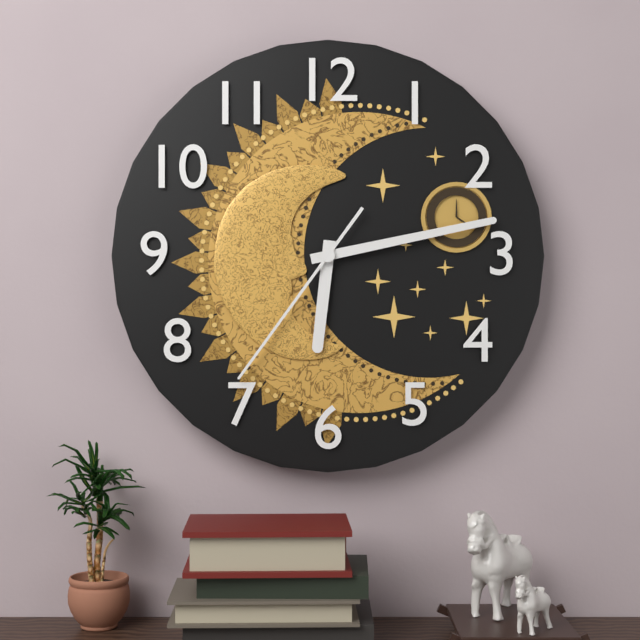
6 h 13 min 36 s
